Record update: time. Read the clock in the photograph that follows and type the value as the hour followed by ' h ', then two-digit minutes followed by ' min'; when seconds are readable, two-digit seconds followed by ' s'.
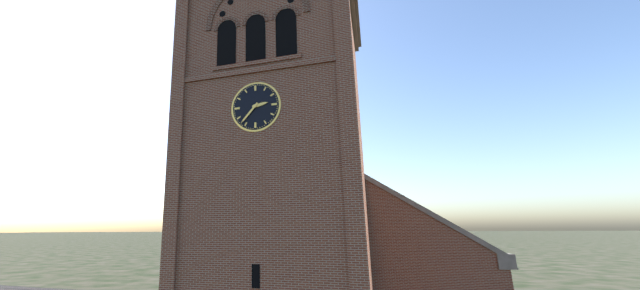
2 h 37 min
